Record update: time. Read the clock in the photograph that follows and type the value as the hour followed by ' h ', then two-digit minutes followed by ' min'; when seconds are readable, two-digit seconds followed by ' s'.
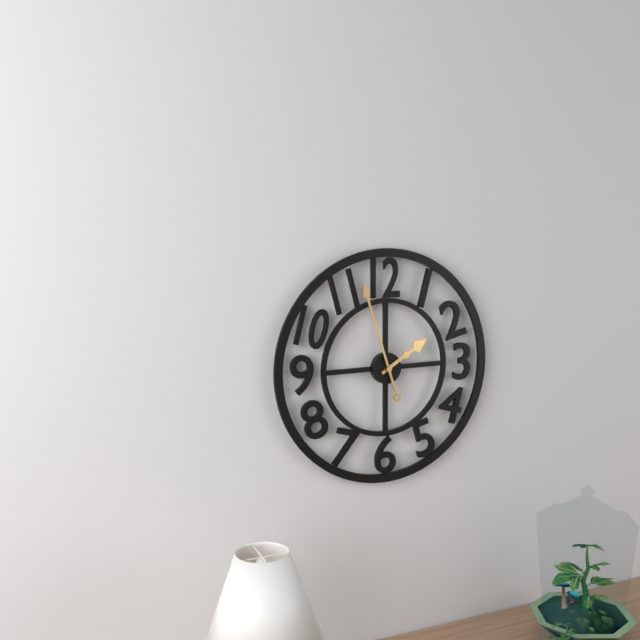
1 h 57 min
